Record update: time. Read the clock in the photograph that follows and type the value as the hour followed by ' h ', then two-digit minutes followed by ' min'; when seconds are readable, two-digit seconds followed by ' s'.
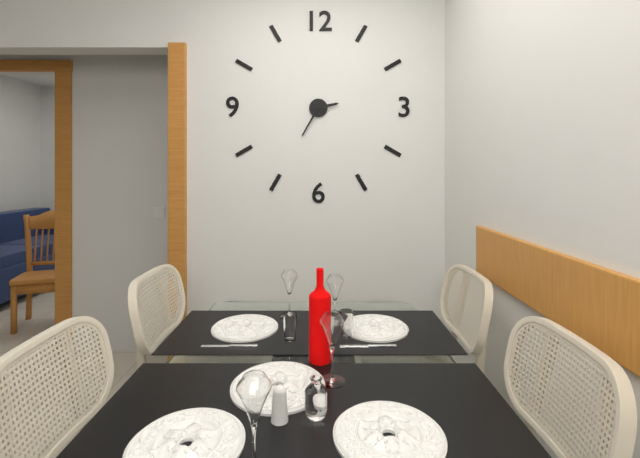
2 h 35 min
